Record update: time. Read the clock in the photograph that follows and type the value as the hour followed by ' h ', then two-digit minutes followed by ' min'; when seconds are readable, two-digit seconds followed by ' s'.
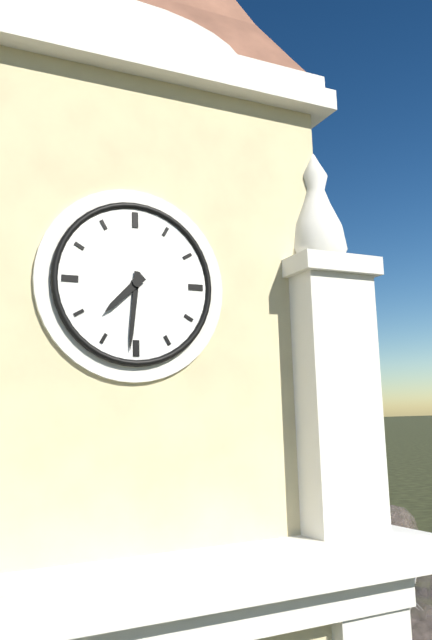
7 h 31 min
